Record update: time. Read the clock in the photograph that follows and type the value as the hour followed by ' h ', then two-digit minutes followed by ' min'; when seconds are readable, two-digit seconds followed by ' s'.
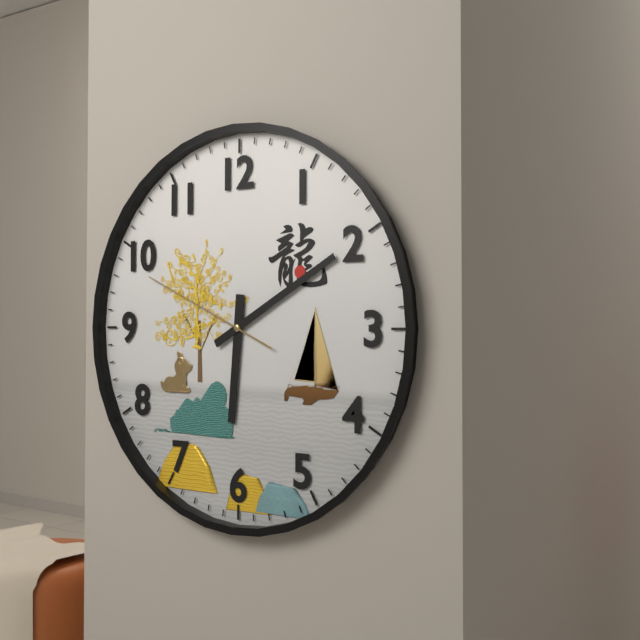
6 h 10 min 49 s
